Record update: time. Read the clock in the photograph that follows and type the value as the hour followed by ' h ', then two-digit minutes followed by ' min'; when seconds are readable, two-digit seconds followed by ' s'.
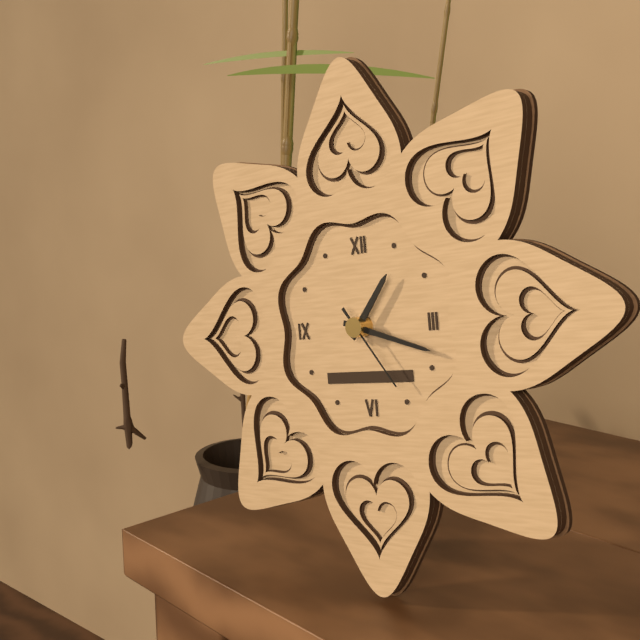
1 h 18 min 24 s
